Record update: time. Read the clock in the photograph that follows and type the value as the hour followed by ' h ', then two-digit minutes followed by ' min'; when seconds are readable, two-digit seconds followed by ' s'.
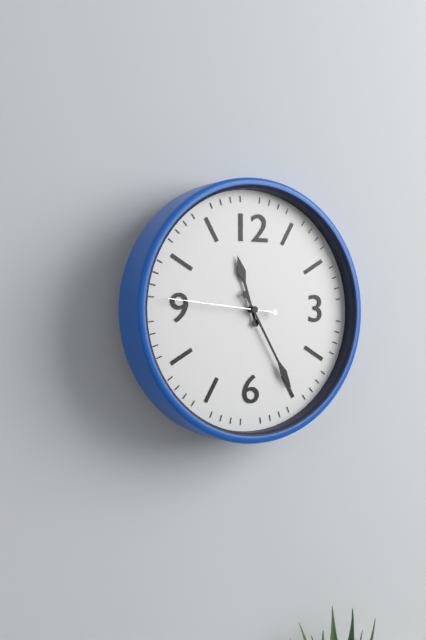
11 h 25 min 46 s
